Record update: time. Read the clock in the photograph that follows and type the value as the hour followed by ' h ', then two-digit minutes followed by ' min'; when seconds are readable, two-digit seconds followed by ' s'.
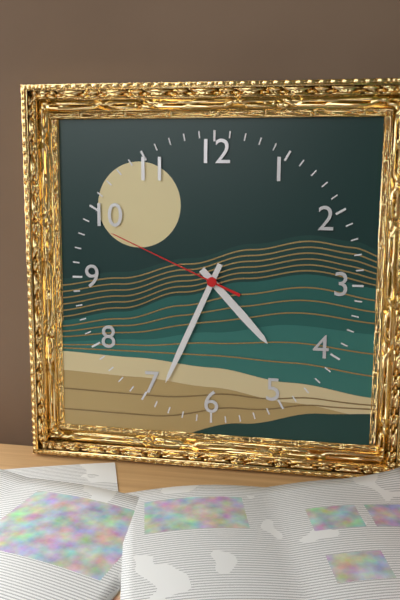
4 h 34 min 49 s
